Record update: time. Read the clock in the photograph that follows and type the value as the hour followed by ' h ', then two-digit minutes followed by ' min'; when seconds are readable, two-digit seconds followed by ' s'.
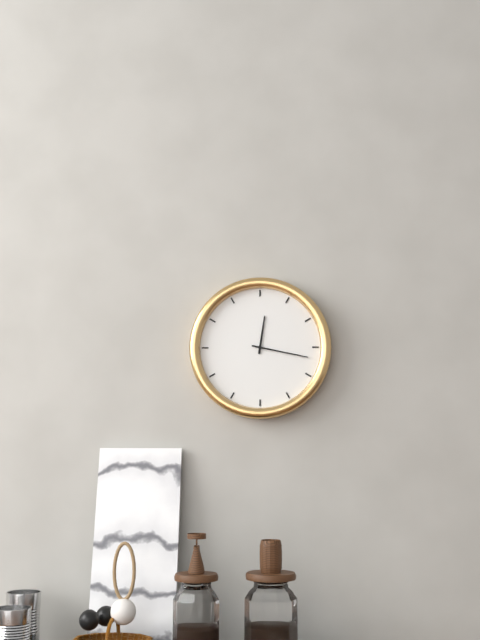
12 h 17 min
